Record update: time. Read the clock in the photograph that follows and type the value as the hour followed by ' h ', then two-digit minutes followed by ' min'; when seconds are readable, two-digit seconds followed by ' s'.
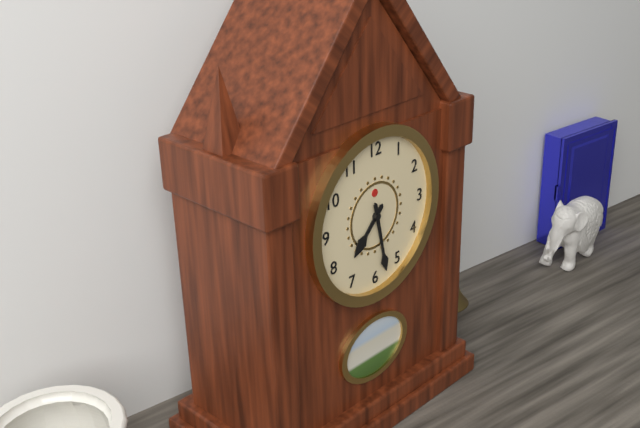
7 h 28 min
